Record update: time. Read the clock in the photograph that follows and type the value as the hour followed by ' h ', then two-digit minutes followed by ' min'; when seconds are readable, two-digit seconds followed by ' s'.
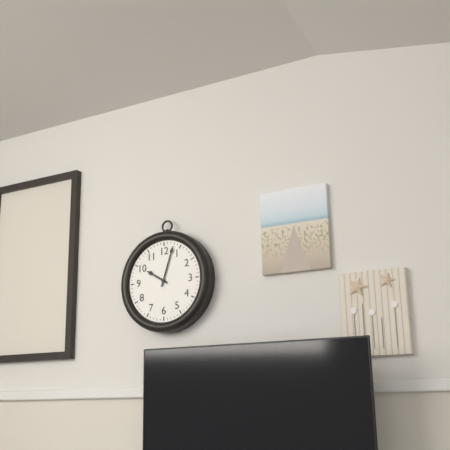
10 h 03 min
